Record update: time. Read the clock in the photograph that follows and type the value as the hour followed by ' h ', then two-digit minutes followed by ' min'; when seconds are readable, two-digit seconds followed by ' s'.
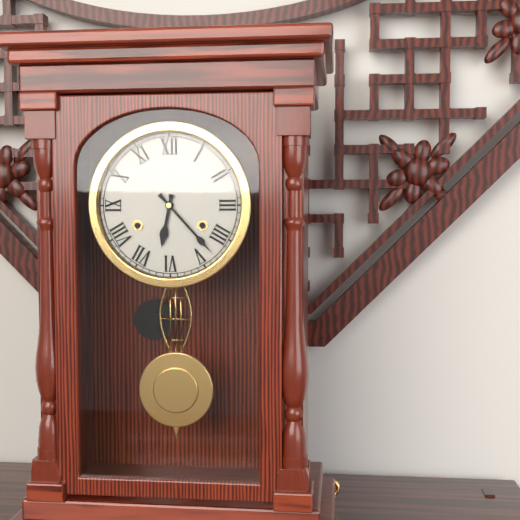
6 h 23 min
